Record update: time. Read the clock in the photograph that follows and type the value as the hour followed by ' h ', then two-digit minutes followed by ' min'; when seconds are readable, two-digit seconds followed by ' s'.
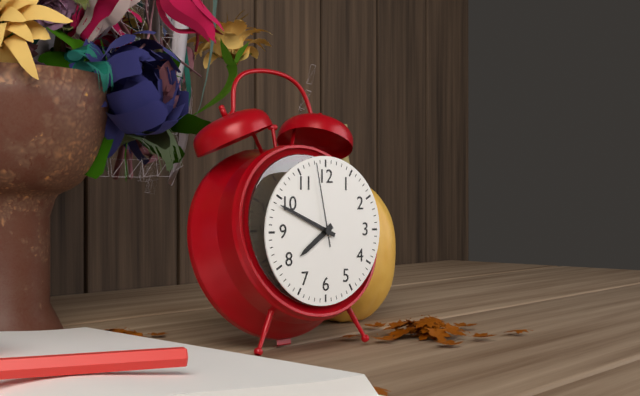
7 h 49 min 58 s
